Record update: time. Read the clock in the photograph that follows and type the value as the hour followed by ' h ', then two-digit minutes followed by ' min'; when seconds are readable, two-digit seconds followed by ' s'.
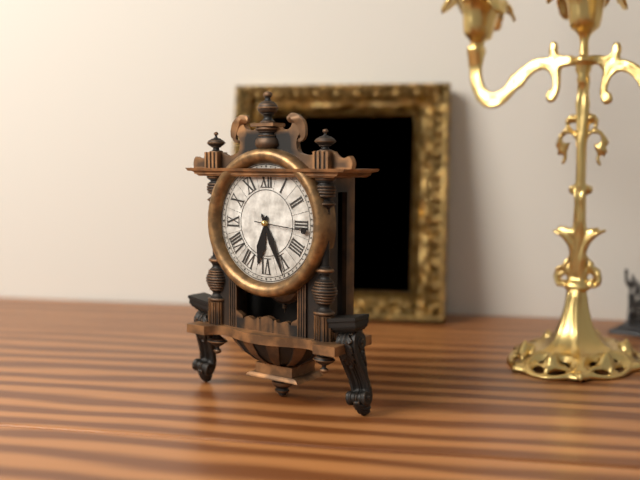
6 h 26 min 16 s
